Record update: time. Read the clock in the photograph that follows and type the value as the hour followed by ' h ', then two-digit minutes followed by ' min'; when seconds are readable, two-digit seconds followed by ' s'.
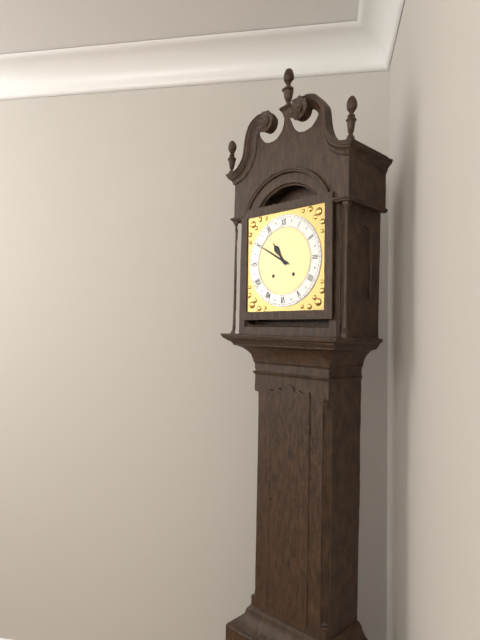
10 h 50 min
